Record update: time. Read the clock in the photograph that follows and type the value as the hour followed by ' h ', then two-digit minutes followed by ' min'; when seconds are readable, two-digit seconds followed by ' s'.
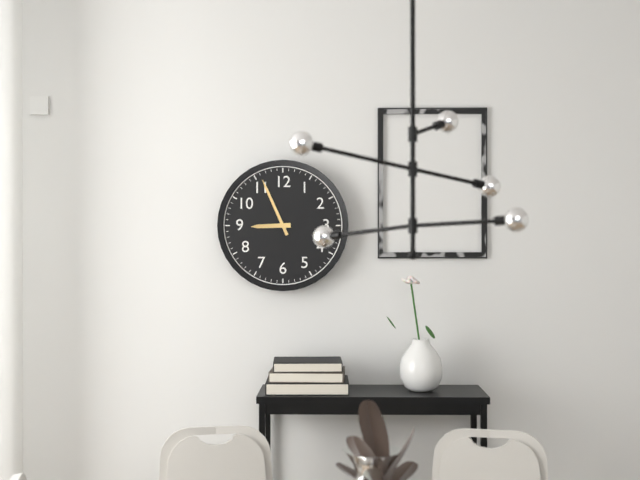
8 h 56 min
